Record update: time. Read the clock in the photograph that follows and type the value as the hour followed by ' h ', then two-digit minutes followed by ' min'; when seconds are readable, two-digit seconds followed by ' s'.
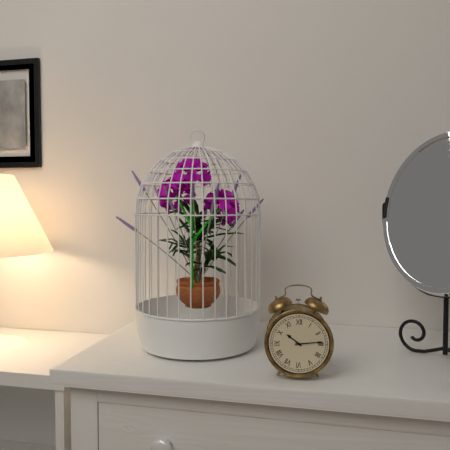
10 h 14 min
